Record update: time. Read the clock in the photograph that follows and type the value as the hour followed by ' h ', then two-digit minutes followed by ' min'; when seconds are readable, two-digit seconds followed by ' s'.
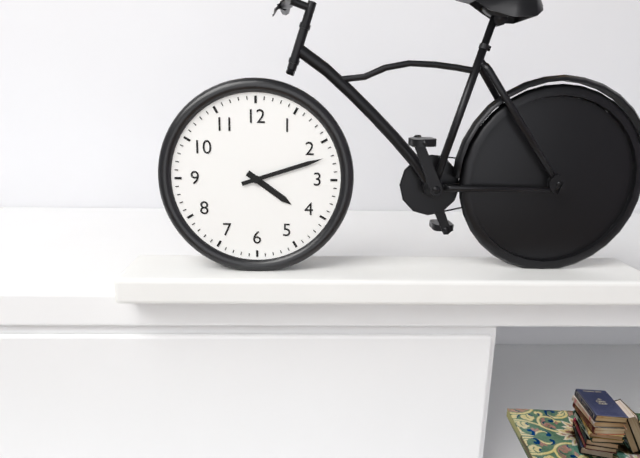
4 h 12 min
